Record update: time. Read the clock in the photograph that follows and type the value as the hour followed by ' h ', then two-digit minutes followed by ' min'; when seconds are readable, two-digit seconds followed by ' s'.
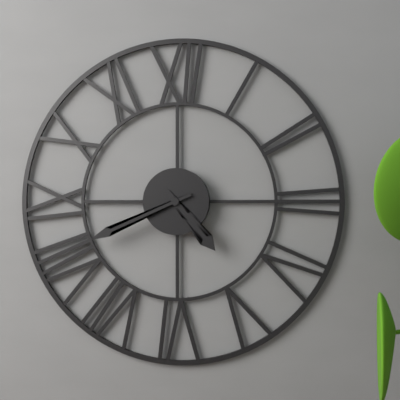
4 h 41 min
